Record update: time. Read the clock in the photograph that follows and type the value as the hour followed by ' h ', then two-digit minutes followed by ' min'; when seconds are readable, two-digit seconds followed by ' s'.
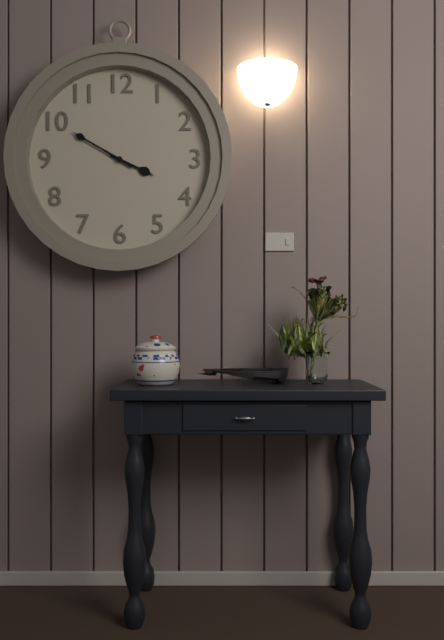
3 h 50 min
